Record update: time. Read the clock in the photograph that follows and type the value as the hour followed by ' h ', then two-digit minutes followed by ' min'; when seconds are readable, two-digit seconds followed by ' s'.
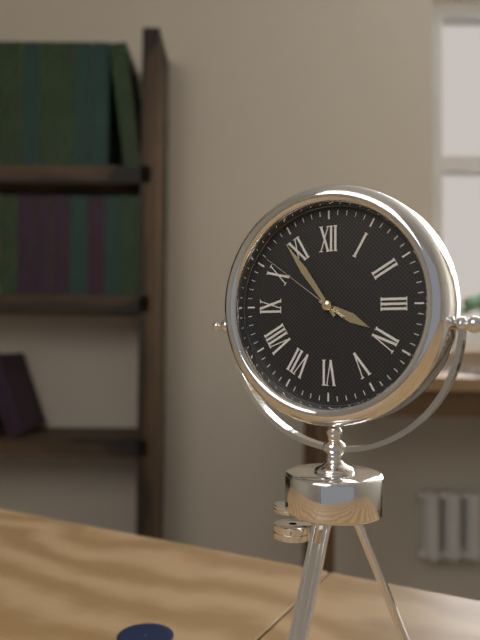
3 h 54 min 51 s
